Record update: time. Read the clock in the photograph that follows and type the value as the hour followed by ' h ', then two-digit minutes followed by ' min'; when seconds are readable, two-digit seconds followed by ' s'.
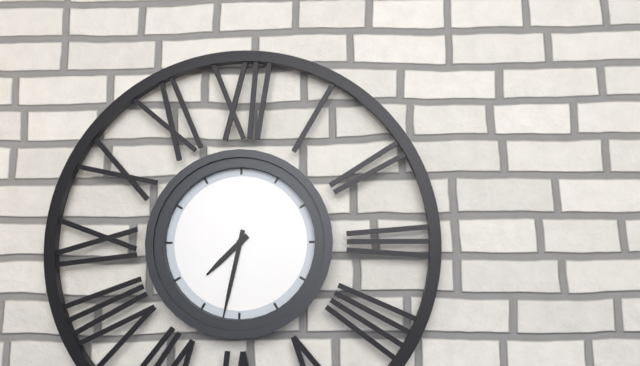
7 h 32 min
